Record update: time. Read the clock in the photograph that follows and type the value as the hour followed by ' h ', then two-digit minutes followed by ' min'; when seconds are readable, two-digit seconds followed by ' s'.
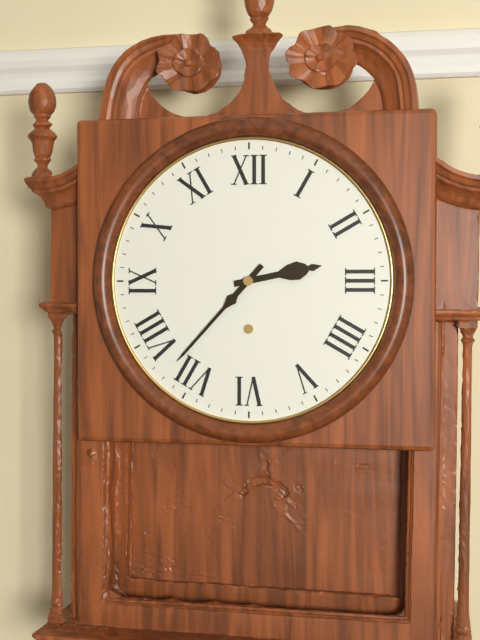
2 h 37 min
